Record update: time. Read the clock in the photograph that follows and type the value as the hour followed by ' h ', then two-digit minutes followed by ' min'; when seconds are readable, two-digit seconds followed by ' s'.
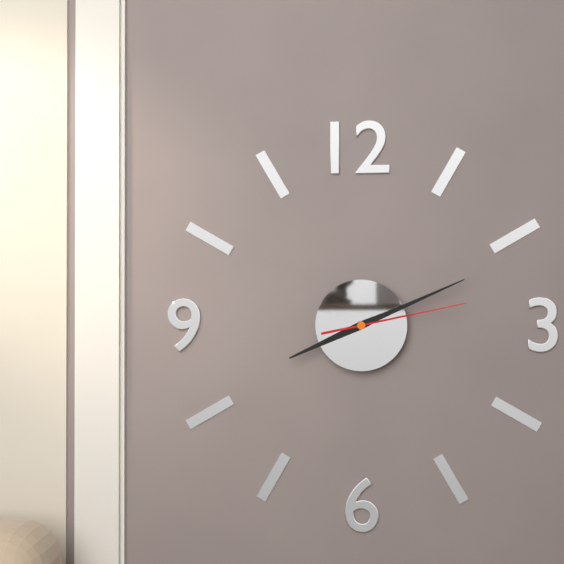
8 h 11 min 13 s
